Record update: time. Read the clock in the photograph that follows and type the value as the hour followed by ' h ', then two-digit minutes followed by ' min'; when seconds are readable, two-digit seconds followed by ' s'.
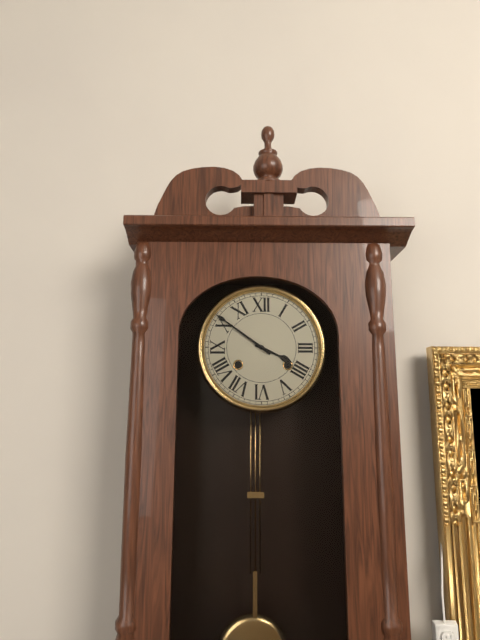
3 h 51 min
